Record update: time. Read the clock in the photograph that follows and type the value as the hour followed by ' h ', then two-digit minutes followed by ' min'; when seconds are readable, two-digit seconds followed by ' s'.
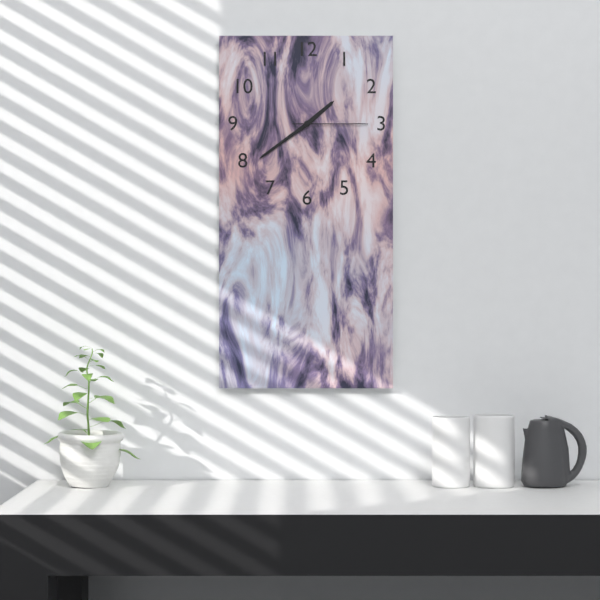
1 h 39 min 15 s
